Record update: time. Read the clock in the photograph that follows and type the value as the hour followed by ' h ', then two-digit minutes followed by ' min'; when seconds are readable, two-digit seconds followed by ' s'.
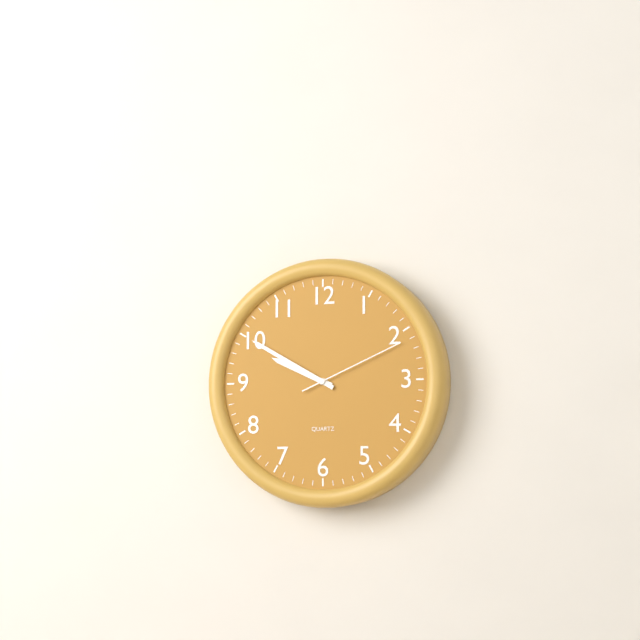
9 h 50 min 11 s
